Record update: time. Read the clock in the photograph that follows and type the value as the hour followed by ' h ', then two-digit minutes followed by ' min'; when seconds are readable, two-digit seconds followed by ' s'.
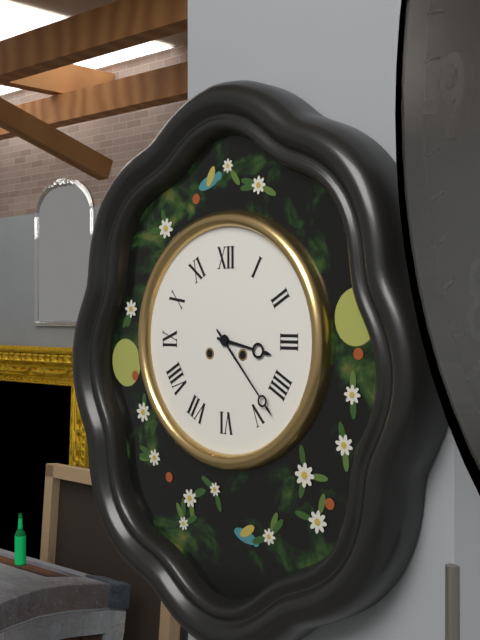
3 h 23 min
